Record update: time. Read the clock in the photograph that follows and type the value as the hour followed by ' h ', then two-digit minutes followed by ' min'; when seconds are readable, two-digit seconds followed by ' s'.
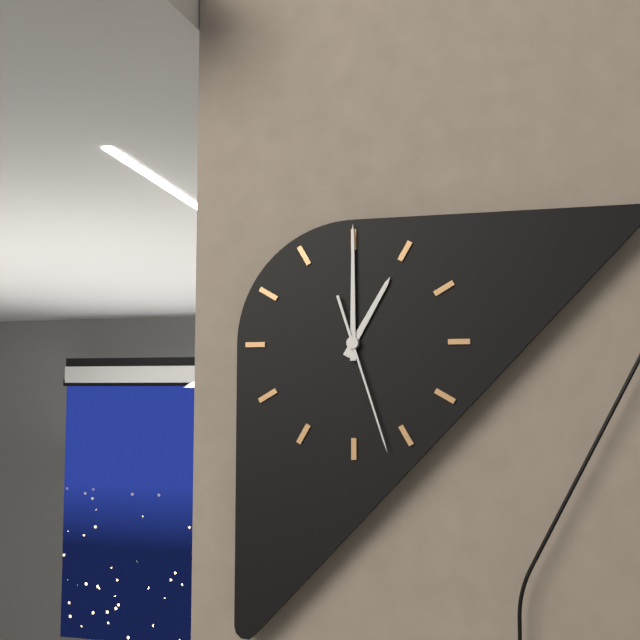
1 h 00 min 27 s
